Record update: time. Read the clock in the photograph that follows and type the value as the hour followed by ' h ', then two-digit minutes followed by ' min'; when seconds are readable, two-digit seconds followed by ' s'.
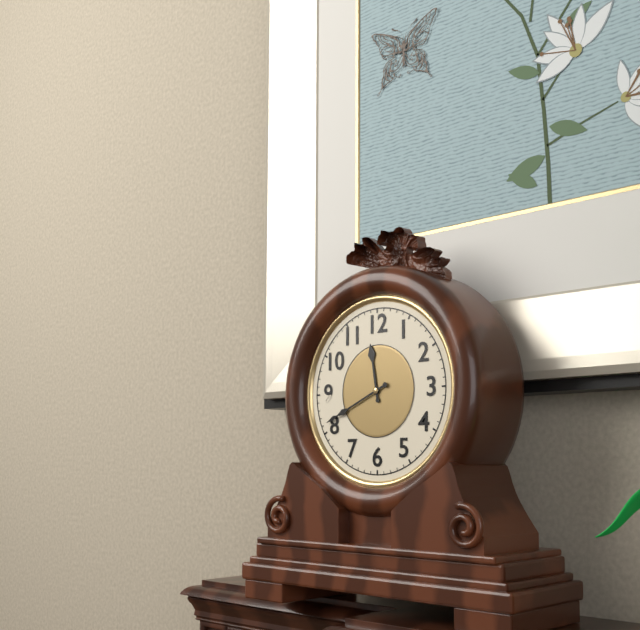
11 h 41 min
